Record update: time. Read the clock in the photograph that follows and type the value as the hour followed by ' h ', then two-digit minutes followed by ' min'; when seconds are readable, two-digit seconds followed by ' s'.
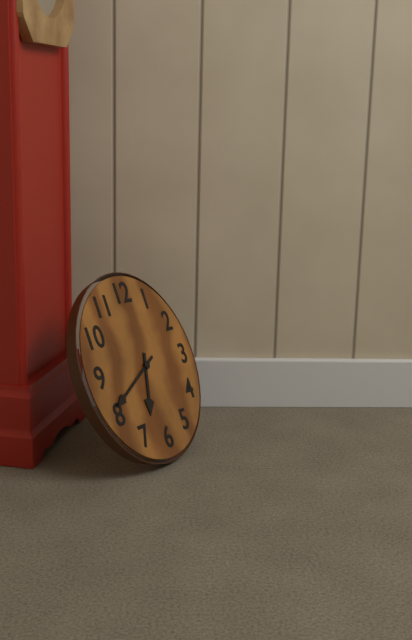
6 h 41 min
